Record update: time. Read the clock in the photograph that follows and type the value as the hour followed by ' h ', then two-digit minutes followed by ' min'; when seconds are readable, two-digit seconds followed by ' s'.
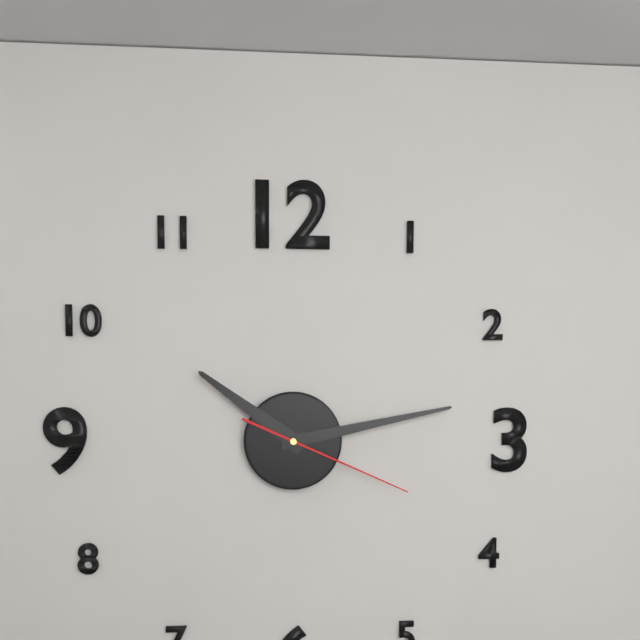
10 h 13 min 19 s
